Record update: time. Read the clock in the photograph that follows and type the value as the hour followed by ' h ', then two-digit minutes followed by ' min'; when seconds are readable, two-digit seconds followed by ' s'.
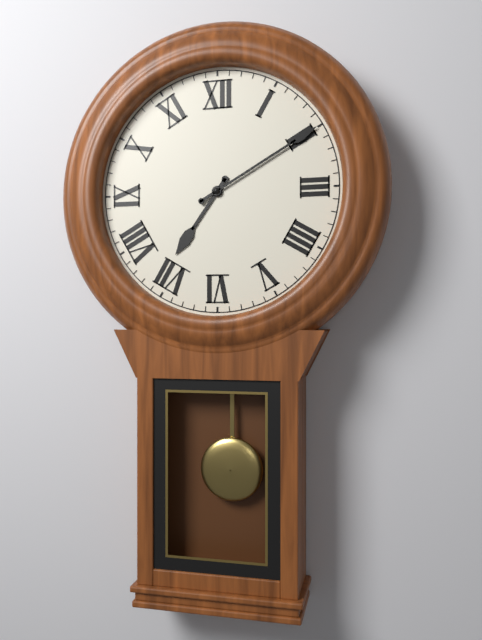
7 h 10 min
